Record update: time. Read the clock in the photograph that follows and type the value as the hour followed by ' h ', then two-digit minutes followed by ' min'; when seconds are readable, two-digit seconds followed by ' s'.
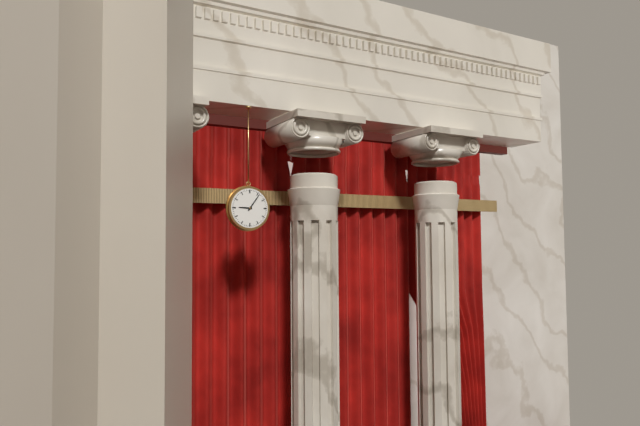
9 h 06 min
